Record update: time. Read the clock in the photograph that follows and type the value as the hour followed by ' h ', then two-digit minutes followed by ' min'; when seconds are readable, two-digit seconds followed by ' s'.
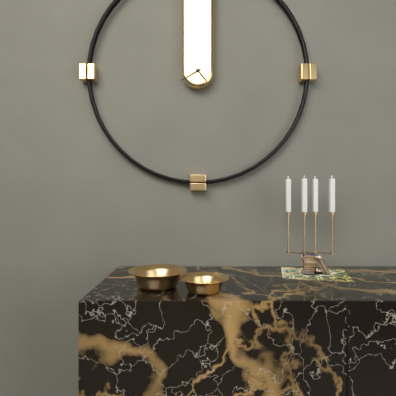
4 h 40 min
